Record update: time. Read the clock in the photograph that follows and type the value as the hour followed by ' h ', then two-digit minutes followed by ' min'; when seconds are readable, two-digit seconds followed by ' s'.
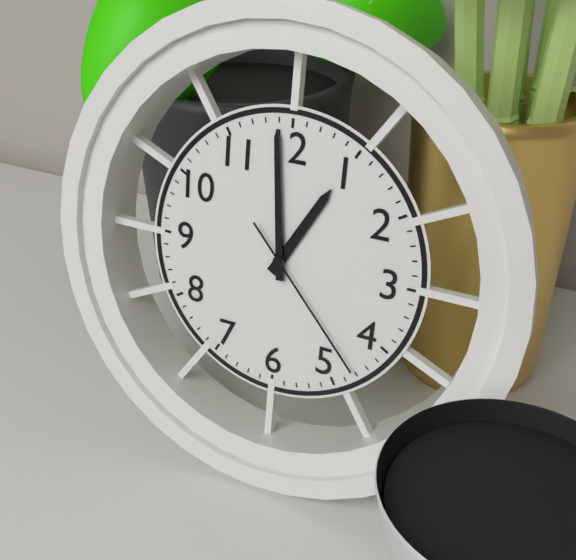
12 h 59 min 23 s
